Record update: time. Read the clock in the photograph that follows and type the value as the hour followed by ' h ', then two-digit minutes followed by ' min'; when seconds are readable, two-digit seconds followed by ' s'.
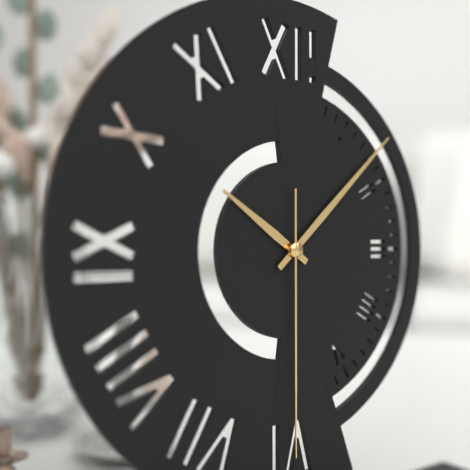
10 h 08 min 30 s
